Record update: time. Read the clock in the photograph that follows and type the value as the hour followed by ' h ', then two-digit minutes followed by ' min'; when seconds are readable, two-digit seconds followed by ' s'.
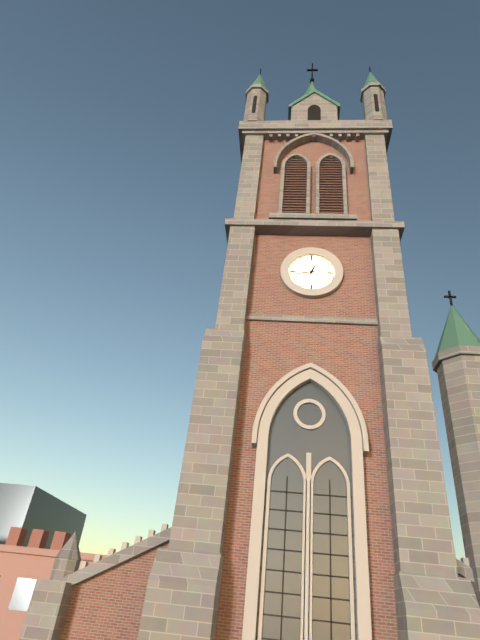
12 h 43 min
